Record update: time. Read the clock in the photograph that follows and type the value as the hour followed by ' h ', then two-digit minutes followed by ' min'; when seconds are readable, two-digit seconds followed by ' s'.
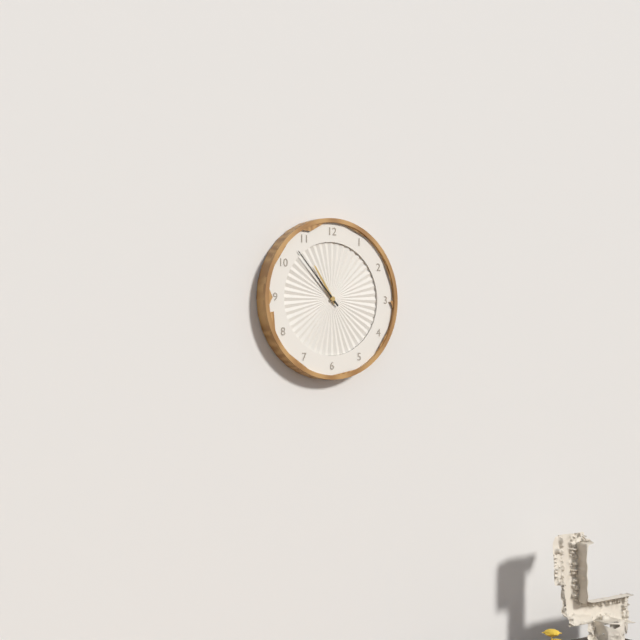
10 h 53 min
